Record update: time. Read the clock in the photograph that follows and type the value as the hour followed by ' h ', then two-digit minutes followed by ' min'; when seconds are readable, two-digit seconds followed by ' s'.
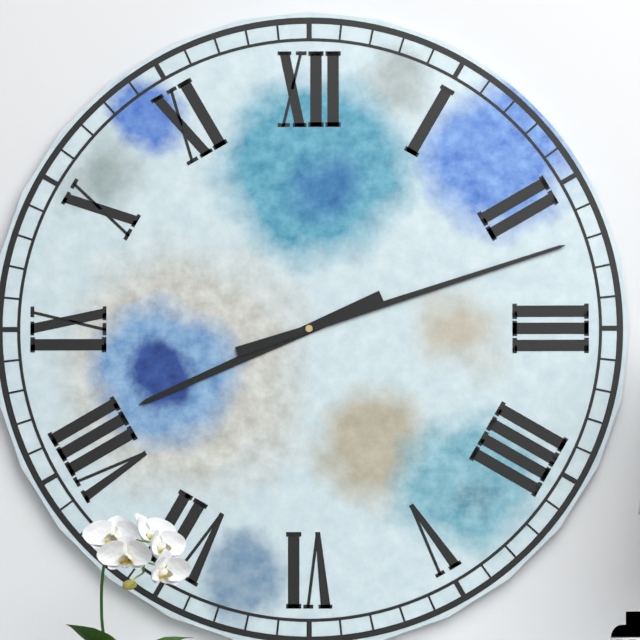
8 h 12 min
